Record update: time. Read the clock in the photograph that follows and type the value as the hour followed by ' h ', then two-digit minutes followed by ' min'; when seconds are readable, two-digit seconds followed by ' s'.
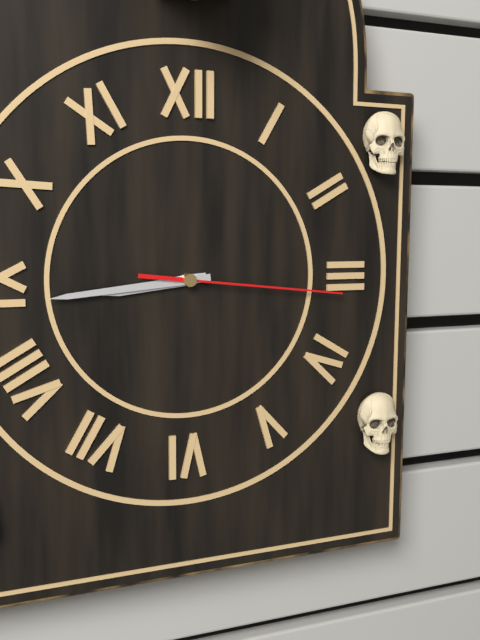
8 h 44 min 16 s
